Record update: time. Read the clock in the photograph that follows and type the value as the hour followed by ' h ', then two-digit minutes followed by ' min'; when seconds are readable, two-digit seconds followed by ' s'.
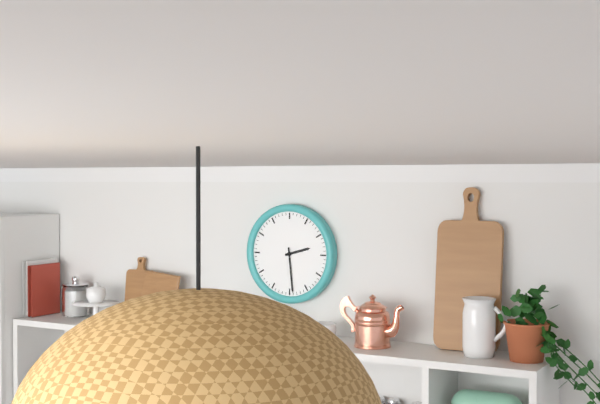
2 h 29 min
